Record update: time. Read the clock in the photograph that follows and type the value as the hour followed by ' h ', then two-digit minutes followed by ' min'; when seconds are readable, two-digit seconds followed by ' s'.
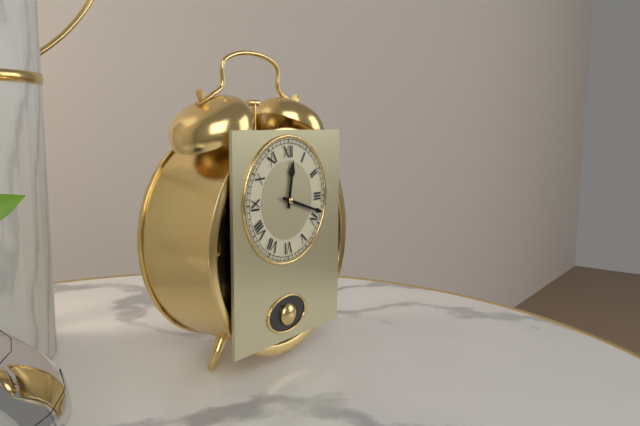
12 h 18 min
